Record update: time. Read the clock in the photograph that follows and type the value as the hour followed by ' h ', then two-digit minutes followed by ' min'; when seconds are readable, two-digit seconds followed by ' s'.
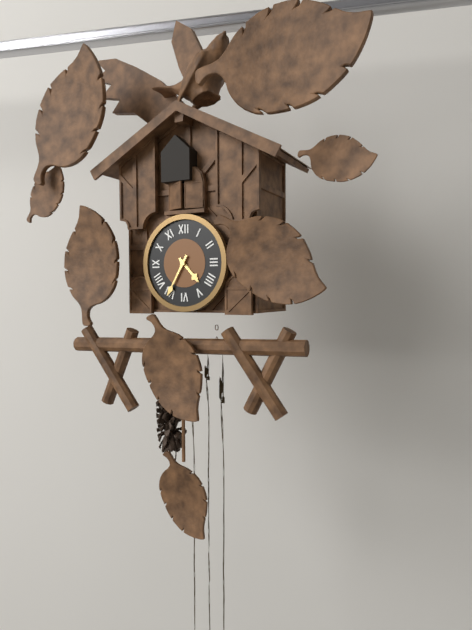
4 h 35 min
